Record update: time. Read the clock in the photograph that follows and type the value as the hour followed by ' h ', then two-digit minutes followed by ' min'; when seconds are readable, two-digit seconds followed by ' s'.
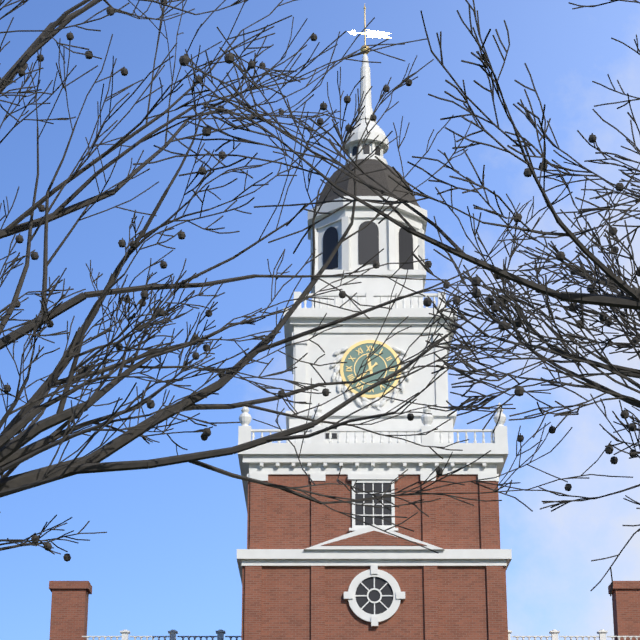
11 h 38 min
